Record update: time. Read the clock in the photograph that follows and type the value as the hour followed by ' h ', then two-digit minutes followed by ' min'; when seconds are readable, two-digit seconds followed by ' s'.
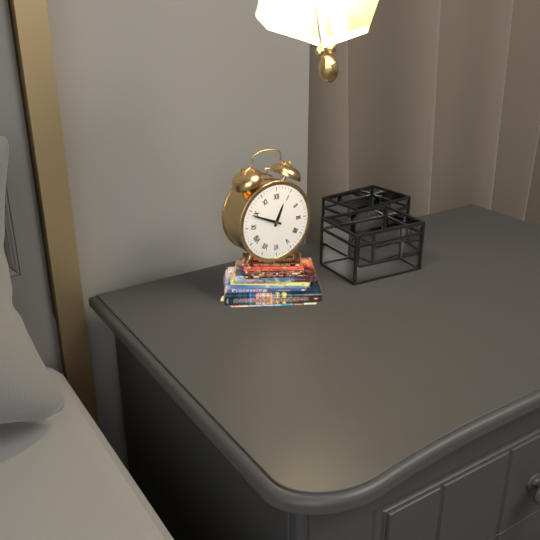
12 h 49 min
